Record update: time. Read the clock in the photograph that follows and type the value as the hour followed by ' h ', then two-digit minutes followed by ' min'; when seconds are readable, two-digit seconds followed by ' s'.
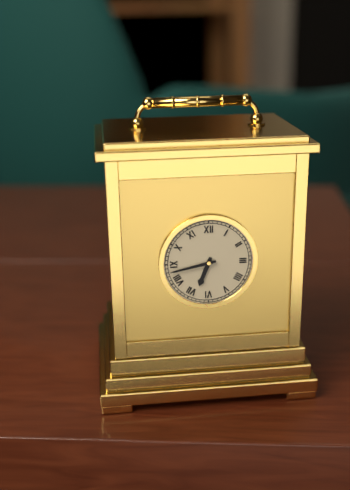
6 h 43 min
